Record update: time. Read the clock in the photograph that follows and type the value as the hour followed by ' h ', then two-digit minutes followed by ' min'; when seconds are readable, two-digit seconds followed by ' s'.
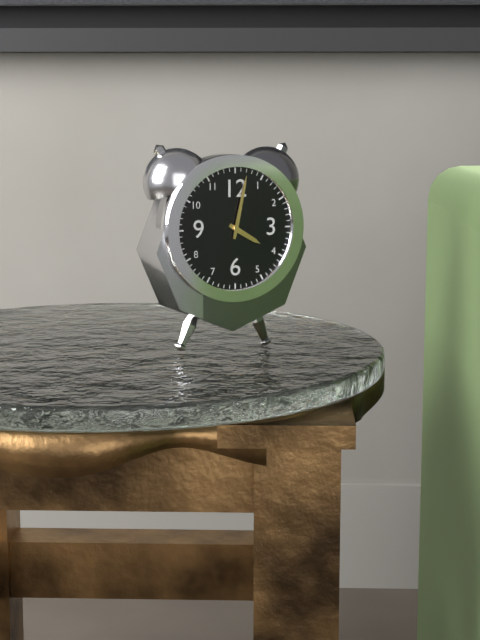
4 h 02 min
